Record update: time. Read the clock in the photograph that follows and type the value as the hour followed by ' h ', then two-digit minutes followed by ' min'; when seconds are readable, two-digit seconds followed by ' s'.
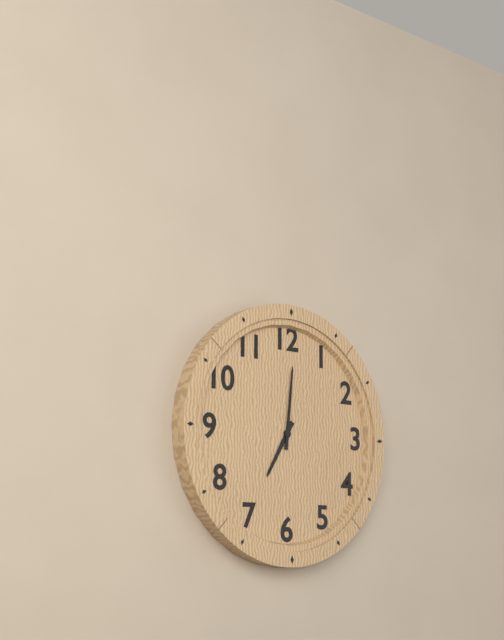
7 h 01 min
